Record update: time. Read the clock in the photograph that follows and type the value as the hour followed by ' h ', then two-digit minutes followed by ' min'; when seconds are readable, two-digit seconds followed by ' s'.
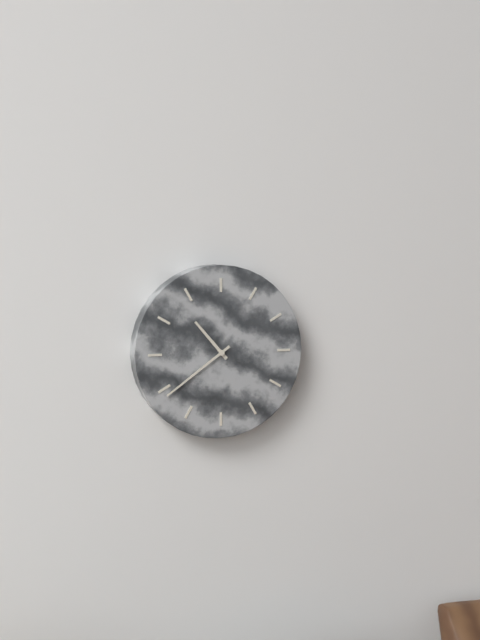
10 h 39 min
